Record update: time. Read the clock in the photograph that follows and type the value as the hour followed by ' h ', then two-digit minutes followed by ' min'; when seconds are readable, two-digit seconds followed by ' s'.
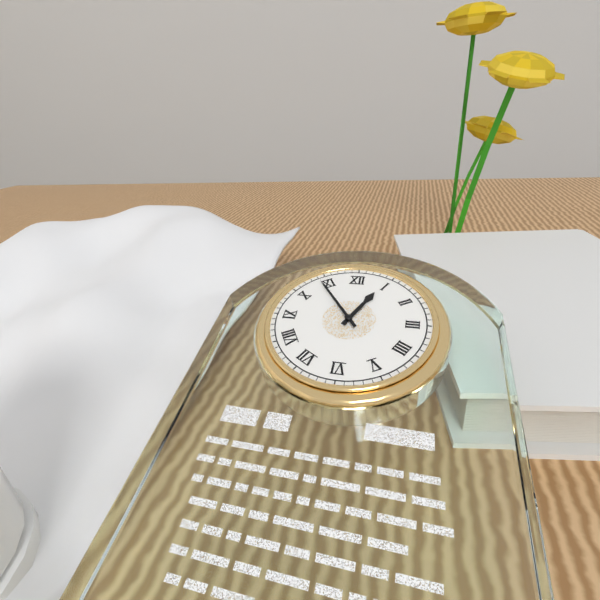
12 h 54 min
